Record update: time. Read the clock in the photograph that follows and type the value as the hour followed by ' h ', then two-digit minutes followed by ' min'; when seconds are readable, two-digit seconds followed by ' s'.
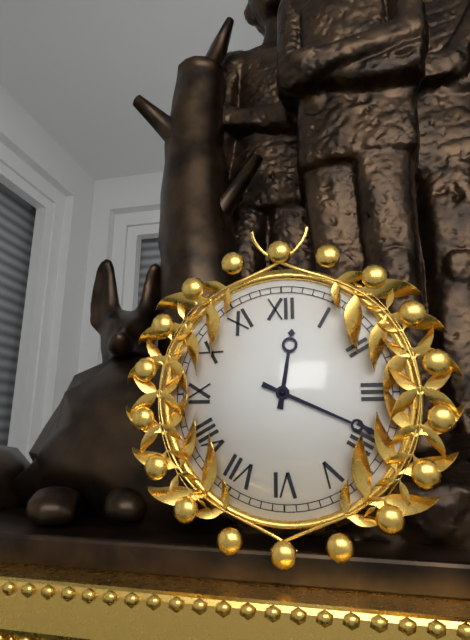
12 h 19 min
